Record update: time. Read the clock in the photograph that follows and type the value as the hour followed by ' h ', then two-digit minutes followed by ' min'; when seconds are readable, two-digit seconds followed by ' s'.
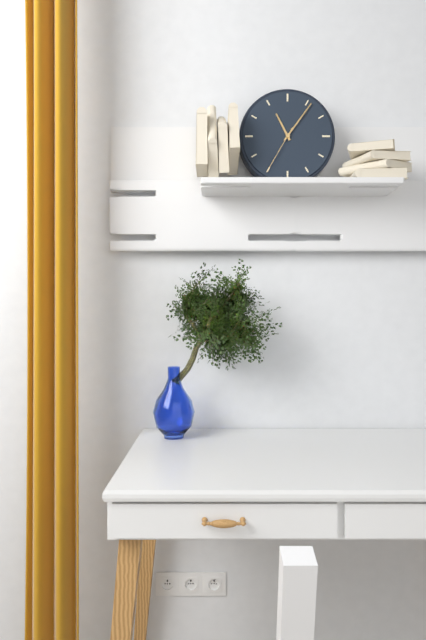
11 h 06 min 35 s
